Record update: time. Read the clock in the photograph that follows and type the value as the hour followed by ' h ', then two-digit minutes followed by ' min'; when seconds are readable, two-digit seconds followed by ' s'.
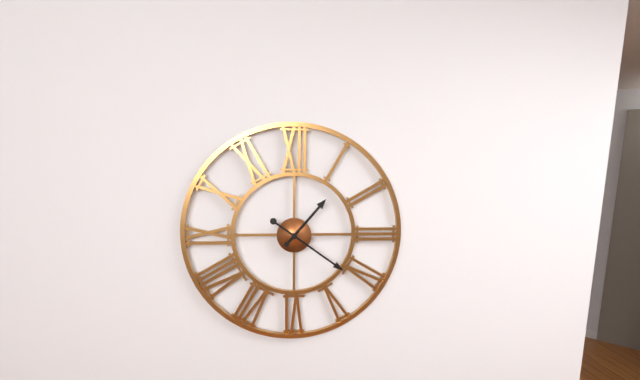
1 h 21 min
